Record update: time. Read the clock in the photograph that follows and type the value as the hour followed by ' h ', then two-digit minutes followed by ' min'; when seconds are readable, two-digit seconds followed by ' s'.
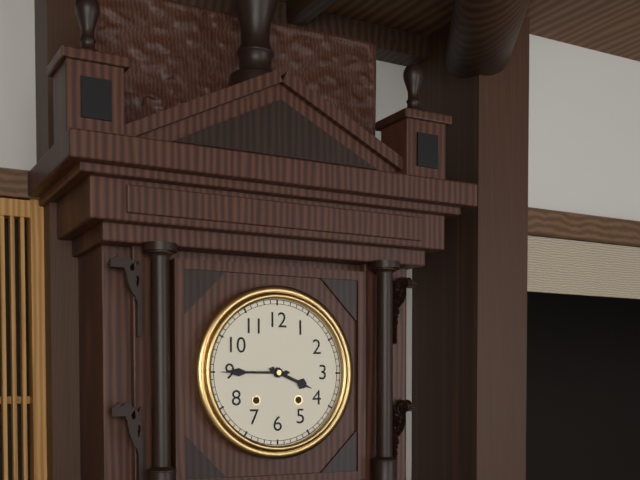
3 h 45 min
